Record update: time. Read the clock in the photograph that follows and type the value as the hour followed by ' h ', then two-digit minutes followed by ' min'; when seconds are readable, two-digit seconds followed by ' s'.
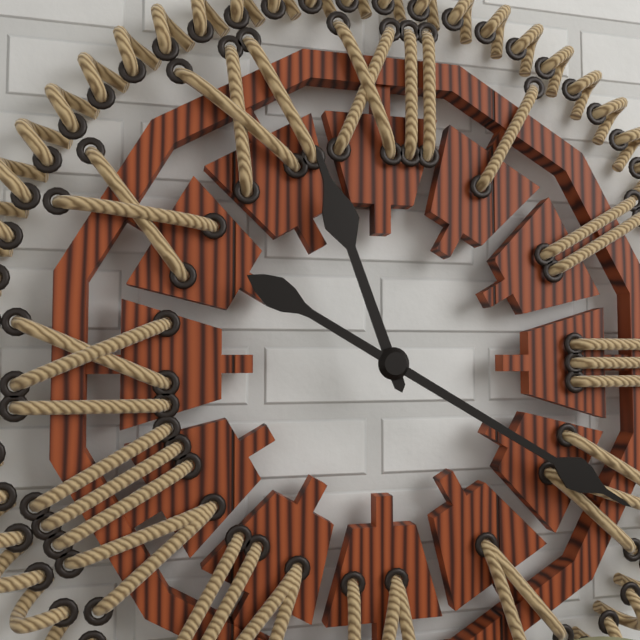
11 h 20 min
